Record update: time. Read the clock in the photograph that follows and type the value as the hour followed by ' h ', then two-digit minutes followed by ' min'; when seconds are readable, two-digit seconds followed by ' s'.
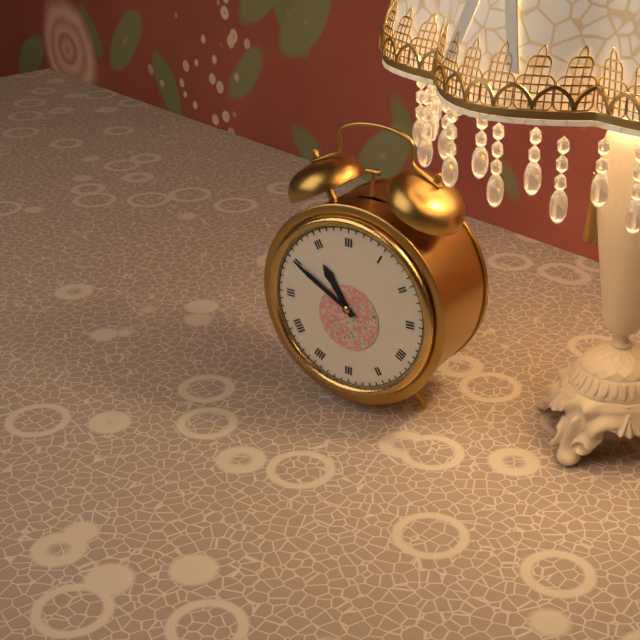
10 h 50 min
